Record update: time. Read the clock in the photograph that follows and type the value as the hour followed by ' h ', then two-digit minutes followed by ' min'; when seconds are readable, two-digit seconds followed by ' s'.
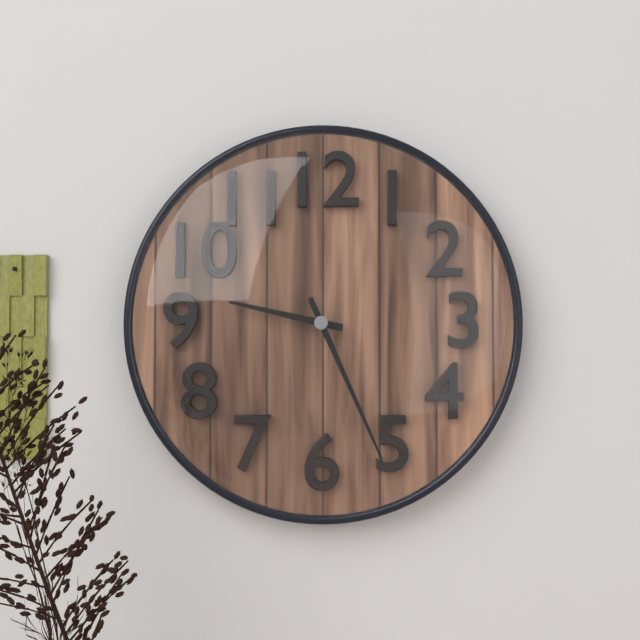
9 h 26 min
